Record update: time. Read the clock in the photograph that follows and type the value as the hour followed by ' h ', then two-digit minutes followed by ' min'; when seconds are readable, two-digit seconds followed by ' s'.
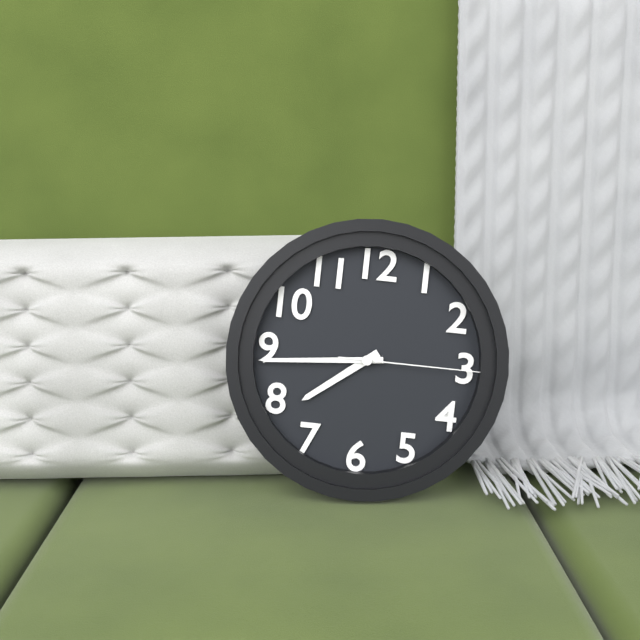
7 h 44 min 15 s
